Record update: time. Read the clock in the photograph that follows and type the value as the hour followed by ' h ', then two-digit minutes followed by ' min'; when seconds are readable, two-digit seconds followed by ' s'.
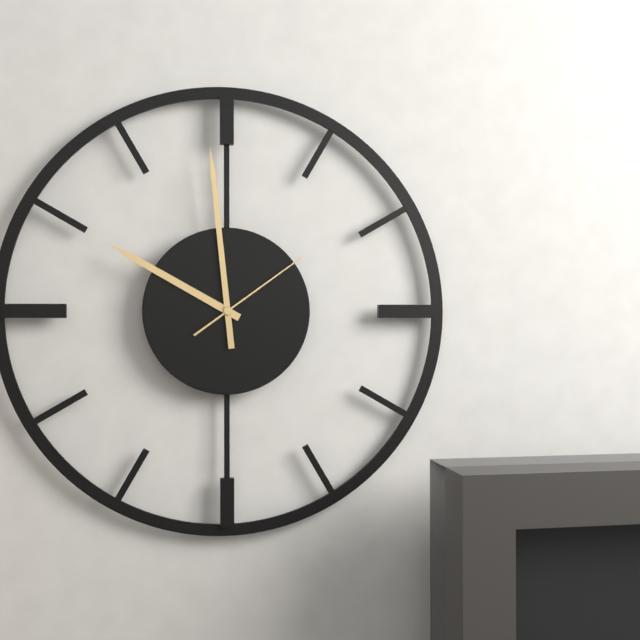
9 h 59 min 09 s
